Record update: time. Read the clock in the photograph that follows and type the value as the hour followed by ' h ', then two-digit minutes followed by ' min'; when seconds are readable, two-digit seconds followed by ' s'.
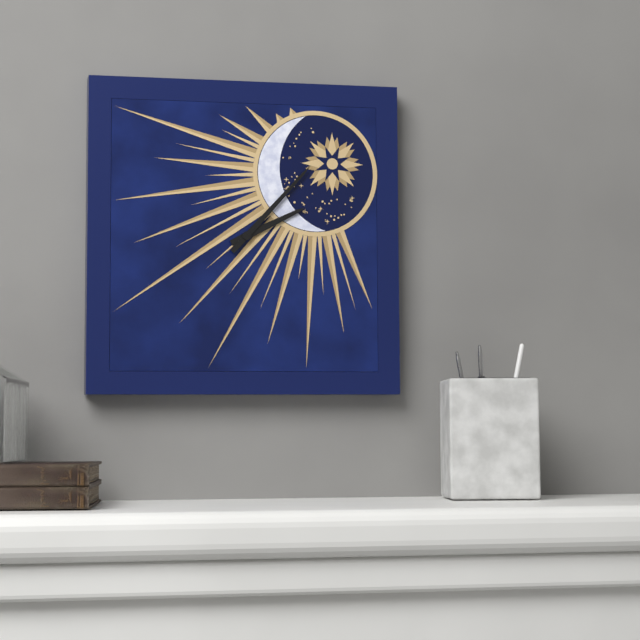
2 h 07 min
